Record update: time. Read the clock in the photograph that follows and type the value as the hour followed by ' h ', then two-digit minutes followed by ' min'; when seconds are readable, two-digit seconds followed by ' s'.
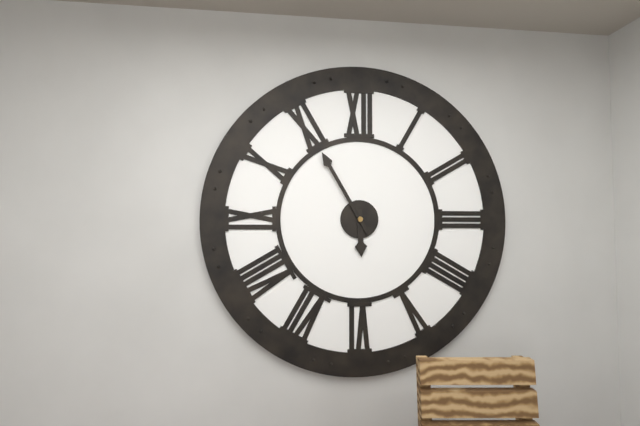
5 h 55 min
